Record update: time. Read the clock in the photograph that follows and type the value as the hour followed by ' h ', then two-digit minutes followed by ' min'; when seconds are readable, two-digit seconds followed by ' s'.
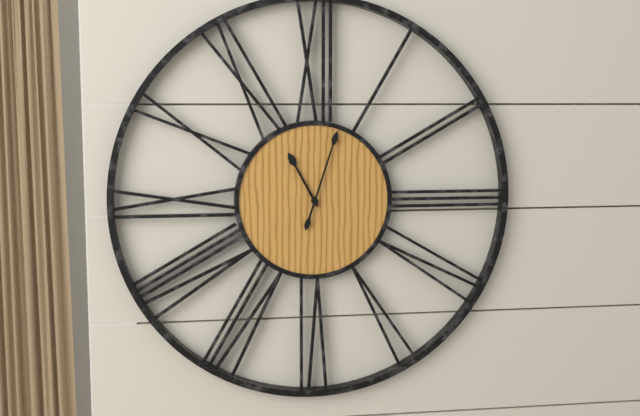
11 h 03 min
